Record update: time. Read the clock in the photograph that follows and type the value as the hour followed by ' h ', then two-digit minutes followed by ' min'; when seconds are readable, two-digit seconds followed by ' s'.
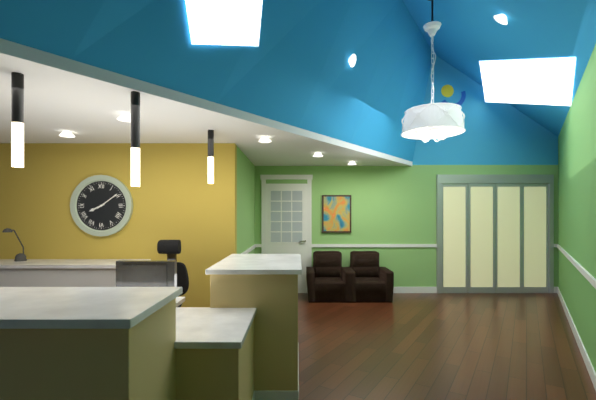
8 h 09 min
